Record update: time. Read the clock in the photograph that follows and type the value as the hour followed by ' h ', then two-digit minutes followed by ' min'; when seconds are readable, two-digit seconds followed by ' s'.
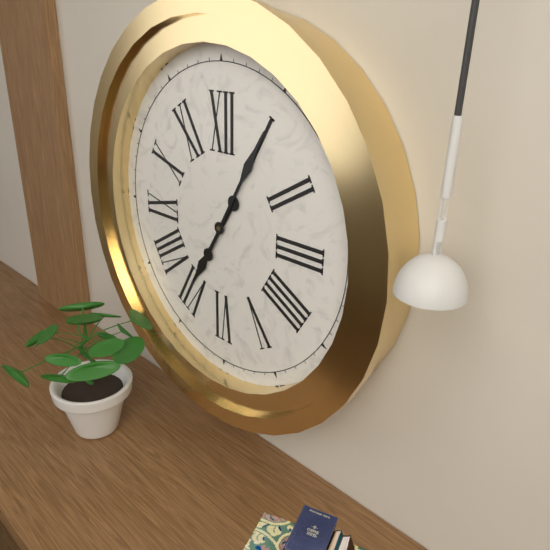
7 h 05 min
